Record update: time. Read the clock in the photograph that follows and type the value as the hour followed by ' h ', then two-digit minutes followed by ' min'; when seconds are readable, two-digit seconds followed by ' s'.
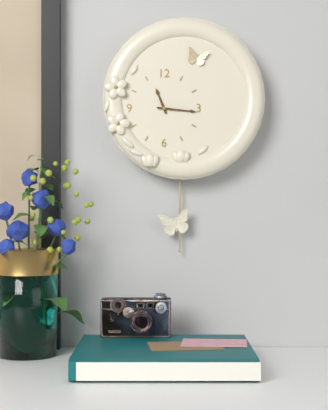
11 h 16 min
